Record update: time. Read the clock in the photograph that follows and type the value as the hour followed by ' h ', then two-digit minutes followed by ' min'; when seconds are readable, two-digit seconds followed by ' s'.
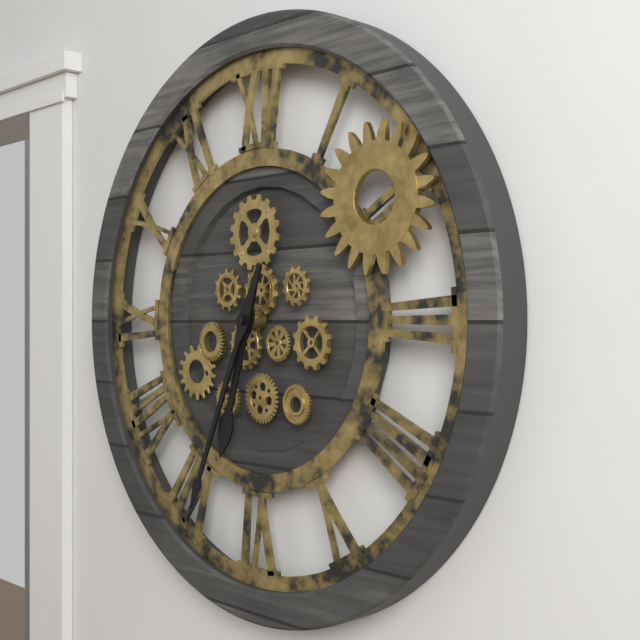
6 h 34 min
